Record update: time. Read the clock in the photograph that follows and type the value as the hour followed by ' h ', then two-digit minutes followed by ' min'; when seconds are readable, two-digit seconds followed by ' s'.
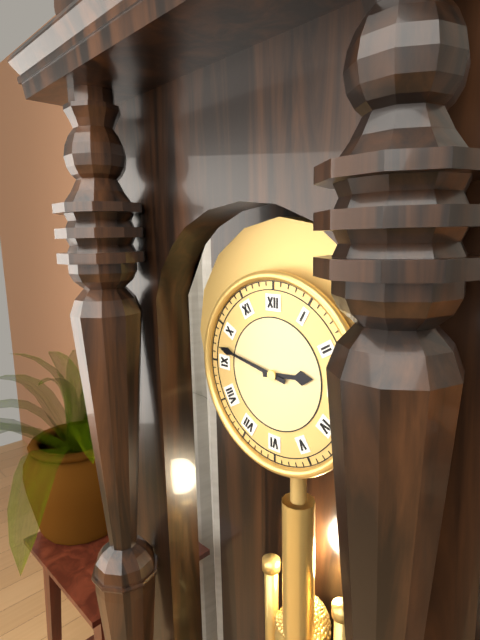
2 h 47 min
